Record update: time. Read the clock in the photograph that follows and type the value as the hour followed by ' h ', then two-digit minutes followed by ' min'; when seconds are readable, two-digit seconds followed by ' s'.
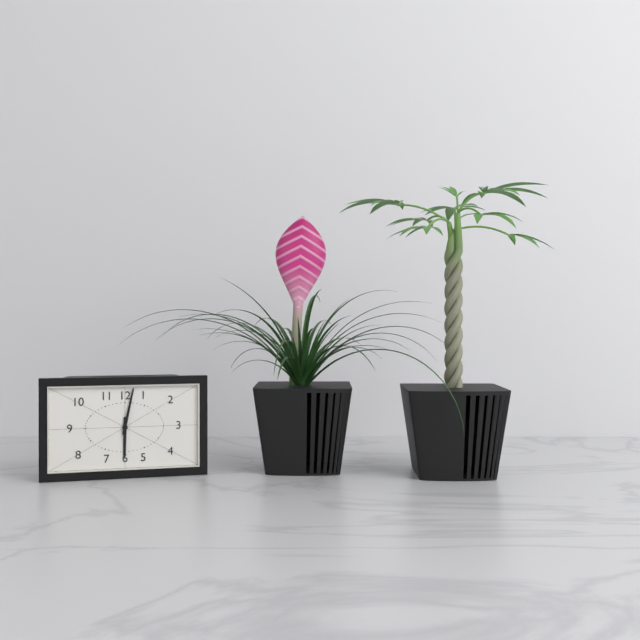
6 h 02 min
